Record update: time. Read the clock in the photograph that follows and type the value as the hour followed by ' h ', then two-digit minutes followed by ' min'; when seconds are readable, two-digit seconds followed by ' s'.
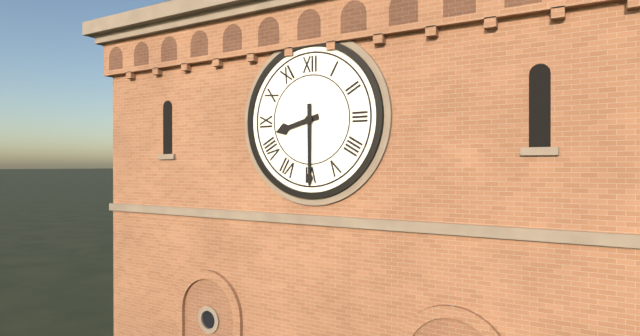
8 h 30 min
